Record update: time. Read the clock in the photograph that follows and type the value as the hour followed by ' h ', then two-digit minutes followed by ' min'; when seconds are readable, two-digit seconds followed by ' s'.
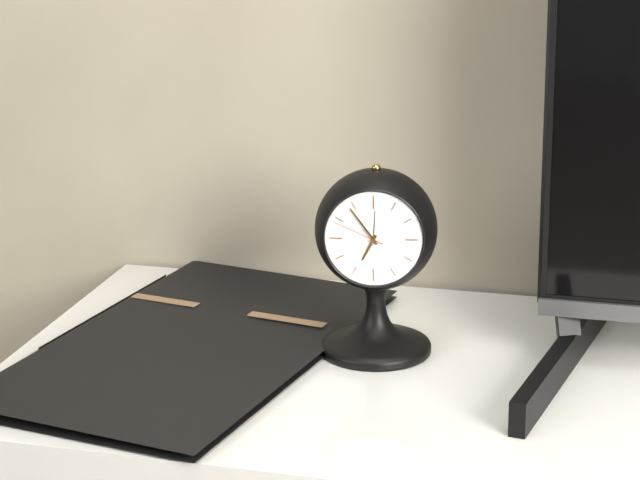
6 h 54 min 49 s
